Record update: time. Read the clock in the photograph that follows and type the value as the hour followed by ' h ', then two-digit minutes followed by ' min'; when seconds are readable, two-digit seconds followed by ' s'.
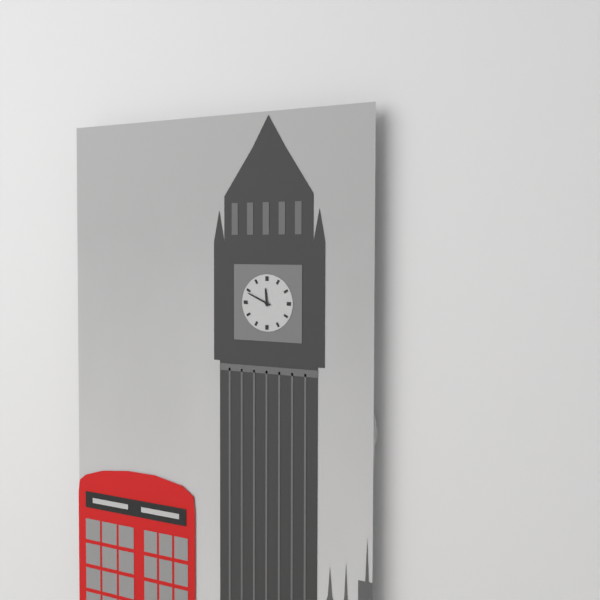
11 h 49 min
